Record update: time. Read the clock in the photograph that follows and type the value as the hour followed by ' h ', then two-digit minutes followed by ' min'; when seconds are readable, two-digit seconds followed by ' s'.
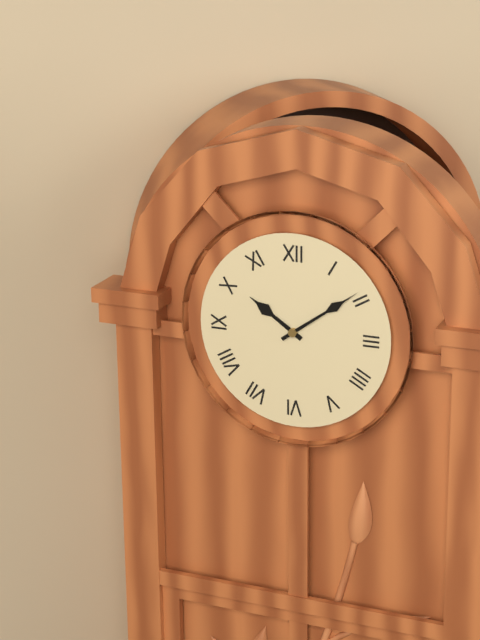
10 h 09 min
